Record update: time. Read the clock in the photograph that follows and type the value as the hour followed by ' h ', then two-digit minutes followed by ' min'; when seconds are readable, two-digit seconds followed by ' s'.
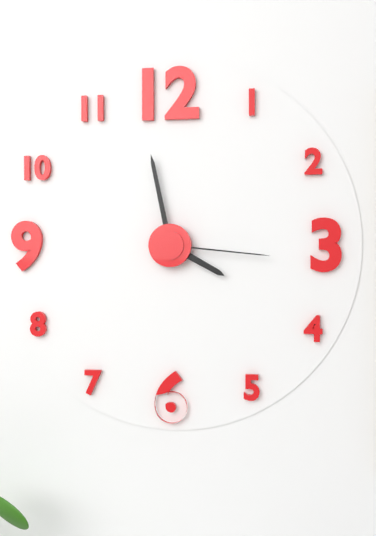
3 h 58 min 16 s
